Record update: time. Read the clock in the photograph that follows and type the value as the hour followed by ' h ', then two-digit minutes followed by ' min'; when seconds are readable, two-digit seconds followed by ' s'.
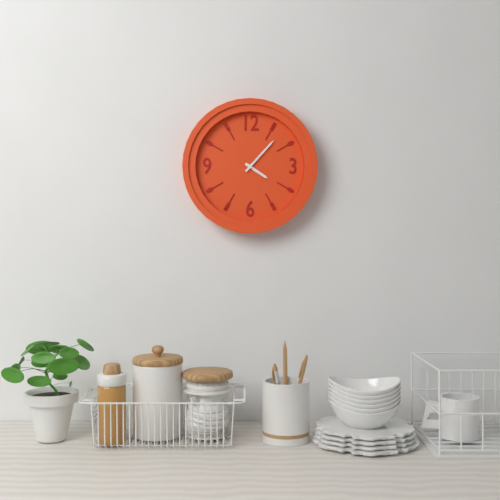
4 h 07 min
